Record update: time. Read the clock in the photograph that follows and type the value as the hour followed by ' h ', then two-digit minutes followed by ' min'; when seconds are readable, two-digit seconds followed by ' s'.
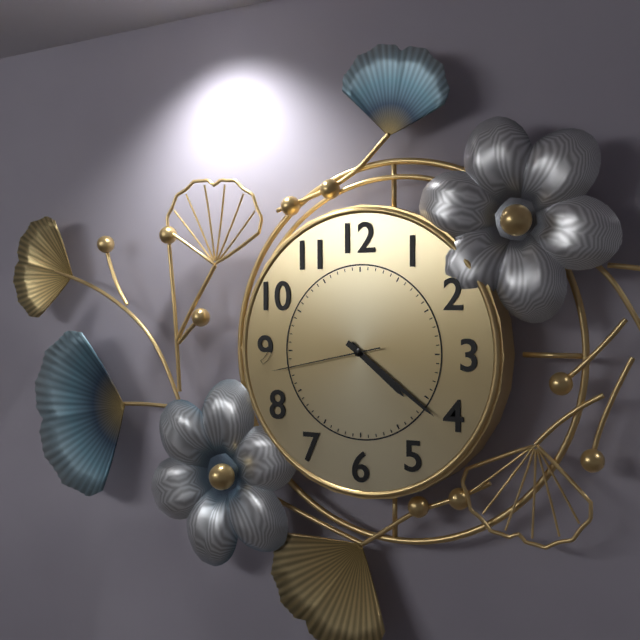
4 h 21 min 43 s
